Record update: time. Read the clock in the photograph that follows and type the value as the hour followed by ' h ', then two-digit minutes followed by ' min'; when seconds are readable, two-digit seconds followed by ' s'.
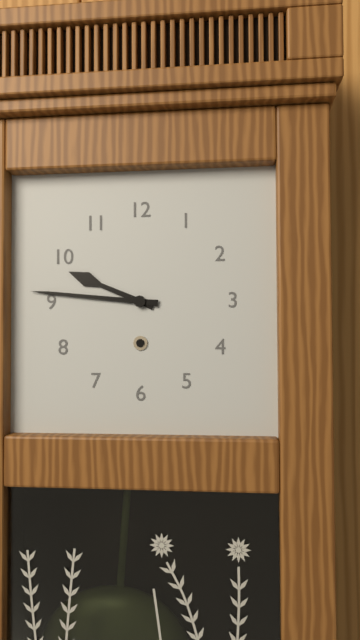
9 h 46 min
